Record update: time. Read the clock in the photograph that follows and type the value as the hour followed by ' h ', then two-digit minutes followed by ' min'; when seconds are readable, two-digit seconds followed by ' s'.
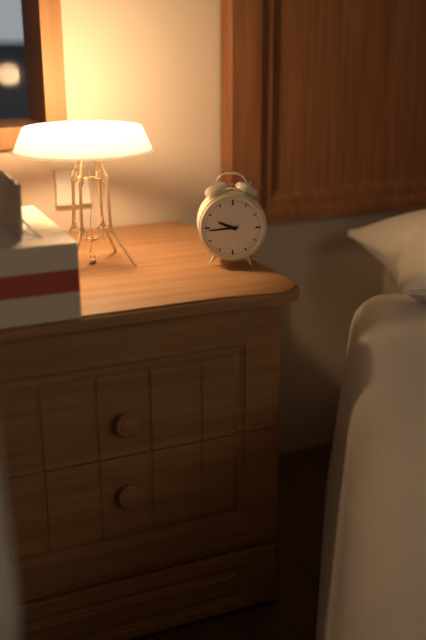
9 h 44 min
